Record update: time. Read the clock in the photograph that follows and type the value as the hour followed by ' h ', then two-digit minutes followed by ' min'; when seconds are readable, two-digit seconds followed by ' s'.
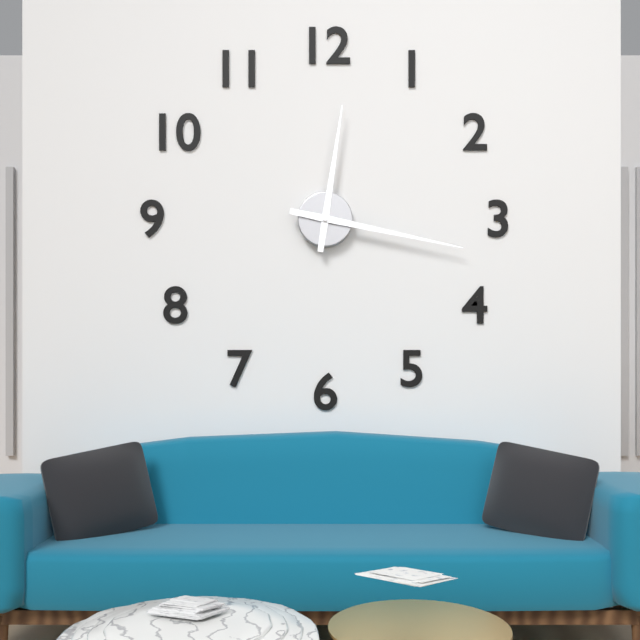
12 h 17 min
